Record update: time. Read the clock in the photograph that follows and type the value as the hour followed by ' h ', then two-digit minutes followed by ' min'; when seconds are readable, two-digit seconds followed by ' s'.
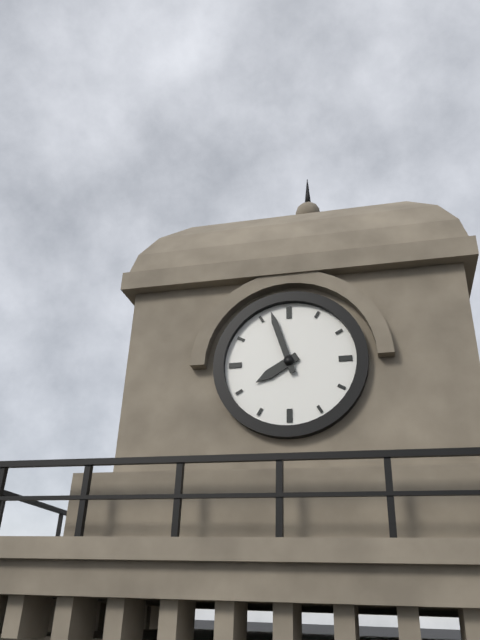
7 h 57 min
